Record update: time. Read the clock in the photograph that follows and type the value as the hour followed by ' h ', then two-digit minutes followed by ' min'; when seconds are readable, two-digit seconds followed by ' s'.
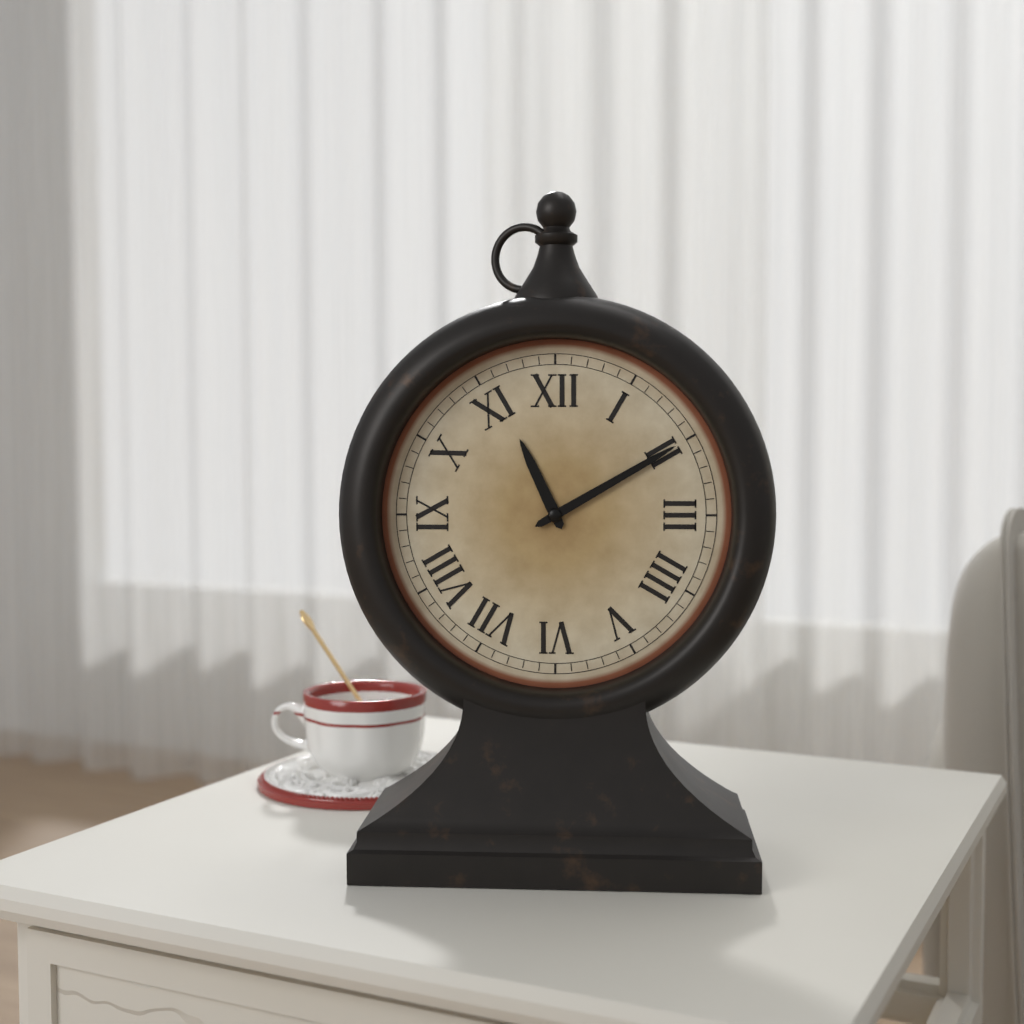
11 h 10 min
